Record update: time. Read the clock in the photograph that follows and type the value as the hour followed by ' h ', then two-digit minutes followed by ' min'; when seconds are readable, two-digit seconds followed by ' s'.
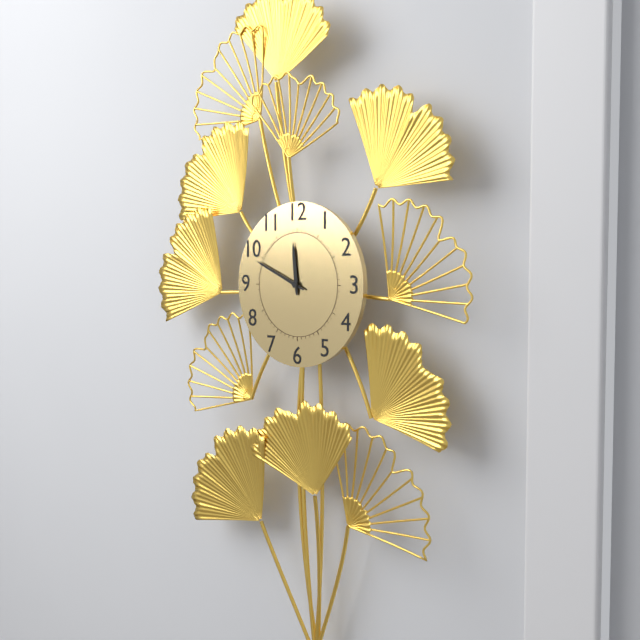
11 h 49 min
